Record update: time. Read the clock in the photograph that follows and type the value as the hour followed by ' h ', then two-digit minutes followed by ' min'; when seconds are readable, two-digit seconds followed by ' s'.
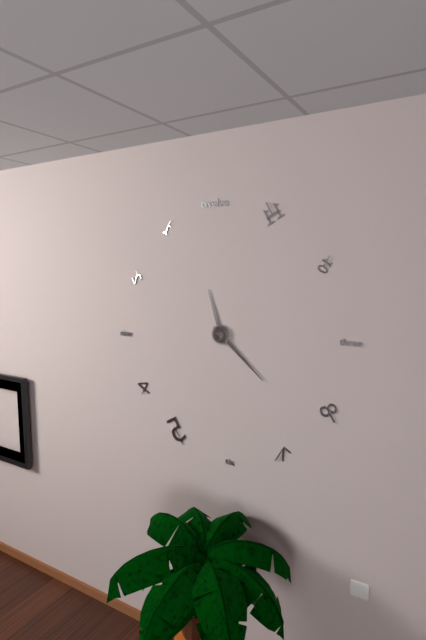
11 h 22 min
